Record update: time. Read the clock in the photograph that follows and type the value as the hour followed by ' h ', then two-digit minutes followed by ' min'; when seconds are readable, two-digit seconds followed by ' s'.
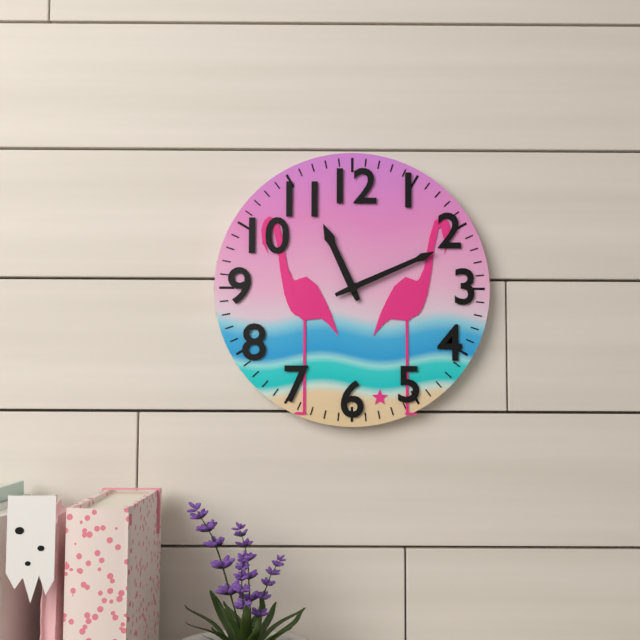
11 h 11 min
